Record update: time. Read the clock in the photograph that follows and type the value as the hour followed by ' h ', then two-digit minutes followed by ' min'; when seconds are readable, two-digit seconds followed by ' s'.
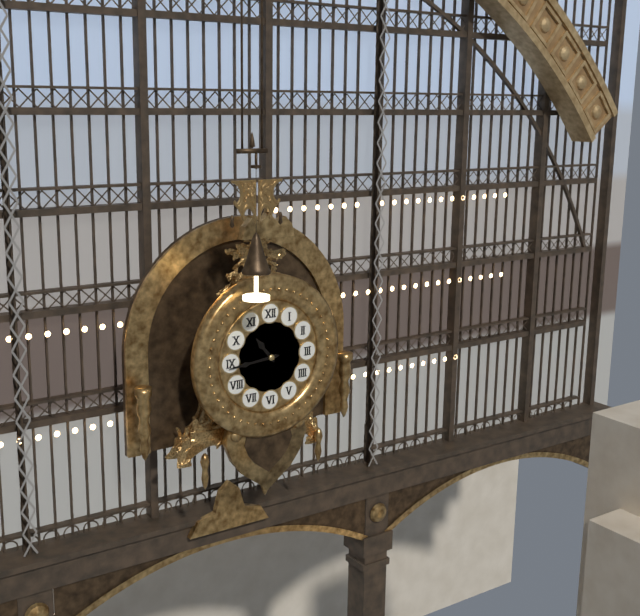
10 h 44 min
